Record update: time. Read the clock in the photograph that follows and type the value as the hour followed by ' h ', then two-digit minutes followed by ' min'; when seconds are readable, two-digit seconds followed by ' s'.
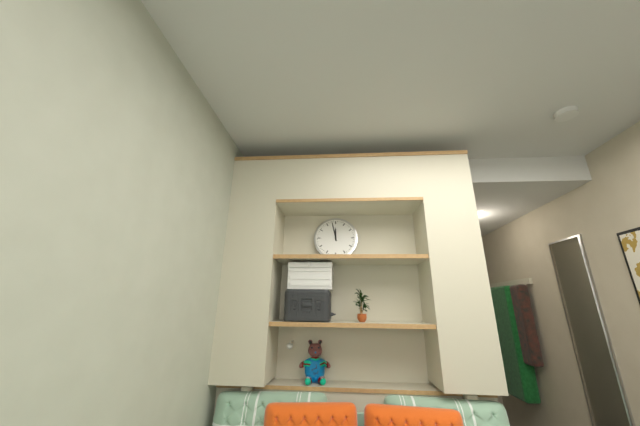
11 h 58 min
